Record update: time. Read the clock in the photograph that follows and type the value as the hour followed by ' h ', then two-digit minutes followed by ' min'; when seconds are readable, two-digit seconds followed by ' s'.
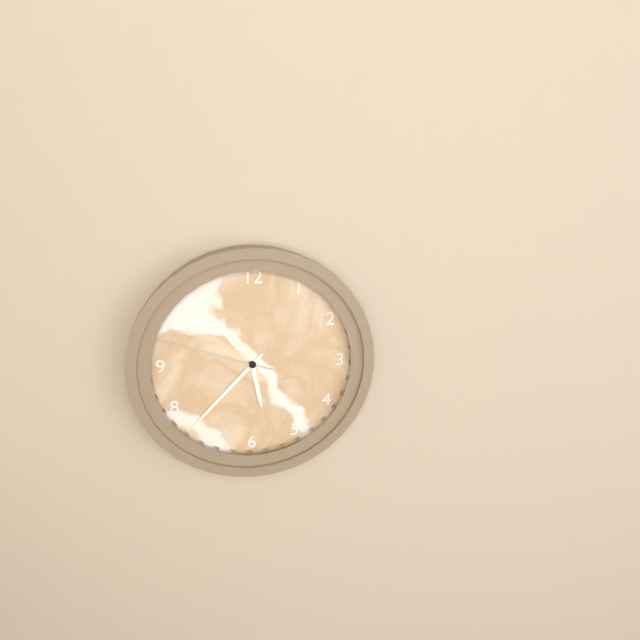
5 h 37 min 48 s
